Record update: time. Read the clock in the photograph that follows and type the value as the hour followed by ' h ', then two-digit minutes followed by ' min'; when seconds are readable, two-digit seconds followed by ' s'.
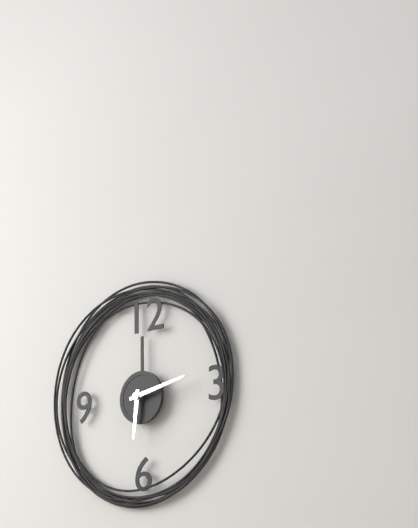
6 h 13 min
